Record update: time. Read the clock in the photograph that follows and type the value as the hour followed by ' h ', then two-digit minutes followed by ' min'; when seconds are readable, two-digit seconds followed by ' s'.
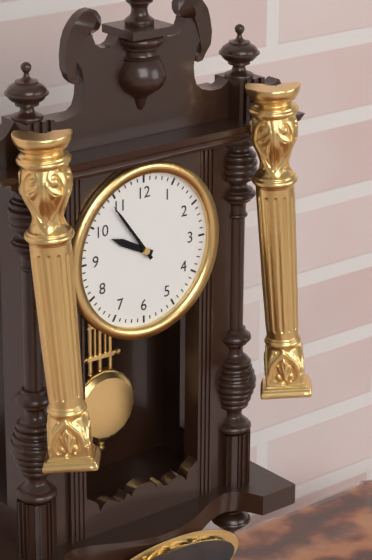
9 h 54 min
